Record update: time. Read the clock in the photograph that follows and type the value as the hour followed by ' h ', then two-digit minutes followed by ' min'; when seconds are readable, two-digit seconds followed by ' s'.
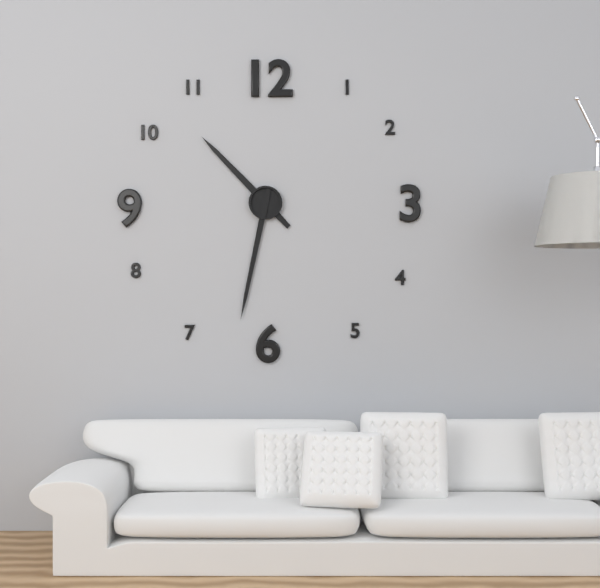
10 h 32 min
